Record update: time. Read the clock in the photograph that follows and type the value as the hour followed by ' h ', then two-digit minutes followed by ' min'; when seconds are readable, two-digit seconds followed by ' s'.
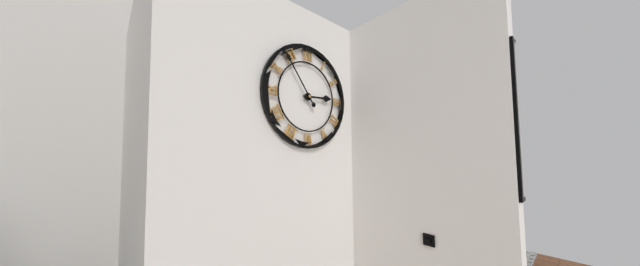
2 h 54 min
